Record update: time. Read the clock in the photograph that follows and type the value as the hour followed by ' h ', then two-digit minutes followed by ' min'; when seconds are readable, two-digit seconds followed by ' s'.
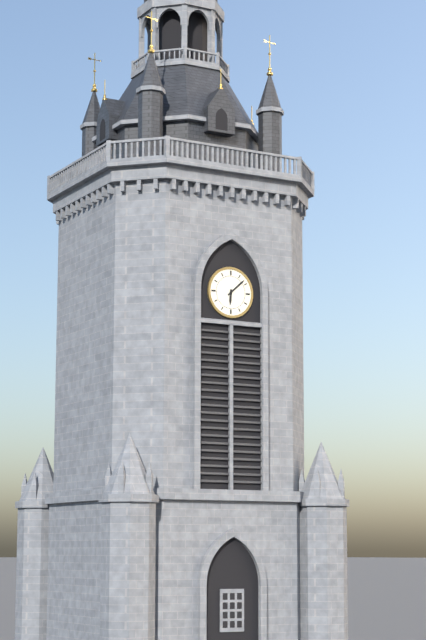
6 h 08 min
